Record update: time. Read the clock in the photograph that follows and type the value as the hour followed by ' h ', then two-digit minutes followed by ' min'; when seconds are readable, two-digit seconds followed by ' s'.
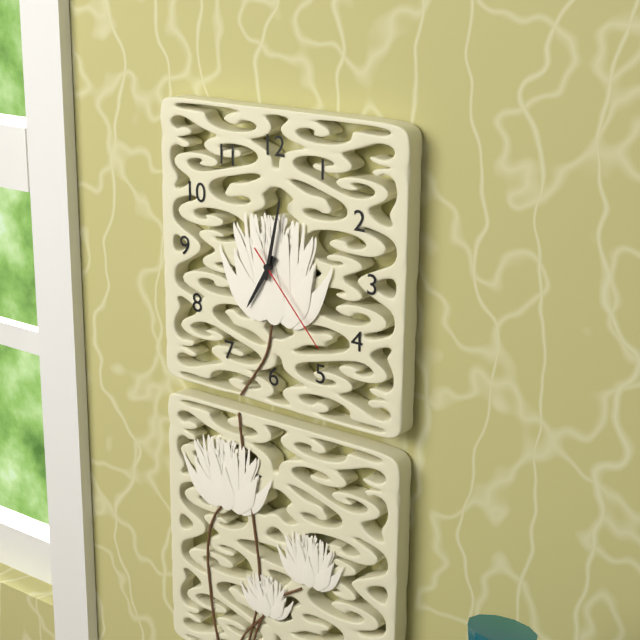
7 h 02 min 23 s
